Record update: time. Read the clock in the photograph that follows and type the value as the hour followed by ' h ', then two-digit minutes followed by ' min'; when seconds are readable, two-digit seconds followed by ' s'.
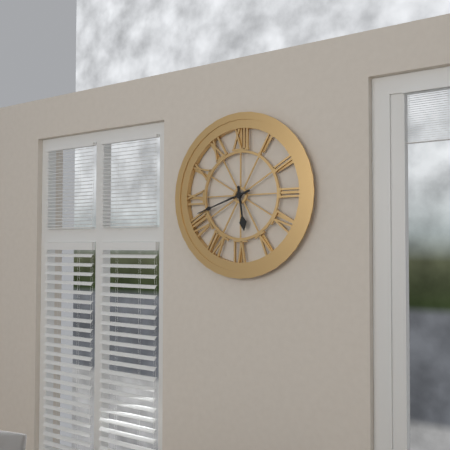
5 h 42 min
